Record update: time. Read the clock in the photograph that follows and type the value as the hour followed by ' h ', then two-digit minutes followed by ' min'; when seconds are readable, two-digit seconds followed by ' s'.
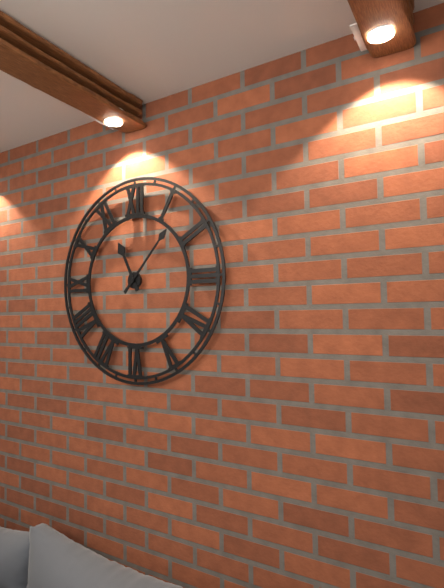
11 h 07 min
